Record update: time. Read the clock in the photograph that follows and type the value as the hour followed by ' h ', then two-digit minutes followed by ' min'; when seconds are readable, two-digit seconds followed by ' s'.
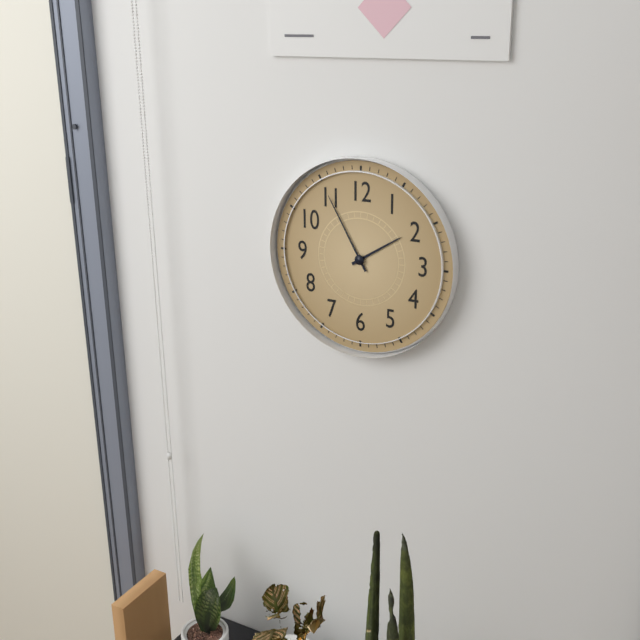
1 h 55 min
